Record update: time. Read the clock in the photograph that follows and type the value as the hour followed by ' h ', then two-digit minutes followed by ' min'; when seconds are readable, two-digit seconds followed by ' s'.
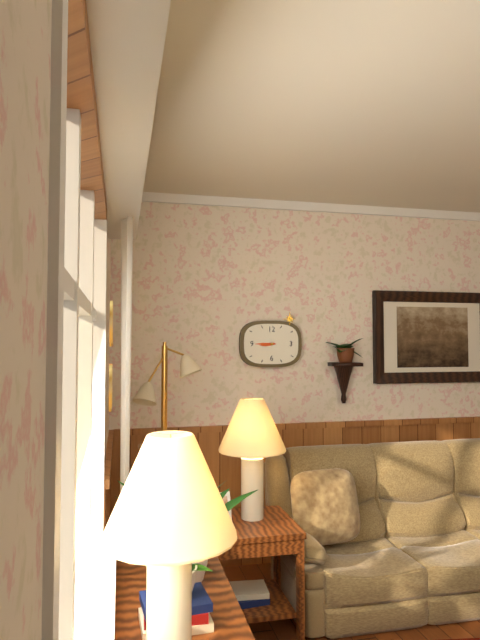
8 h 45 min
